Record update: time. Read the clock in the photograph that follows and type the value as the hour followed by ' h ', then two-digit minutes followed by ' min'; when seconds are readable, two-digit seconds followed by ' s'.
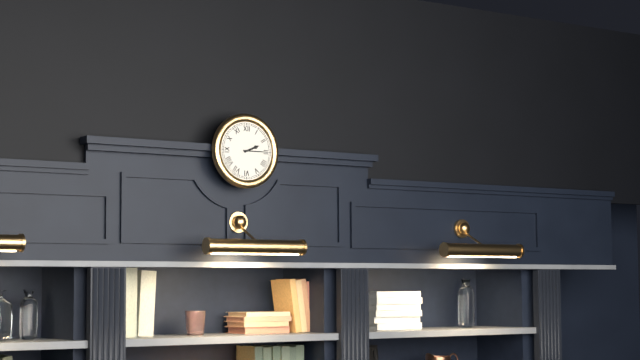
2 h 15 min
